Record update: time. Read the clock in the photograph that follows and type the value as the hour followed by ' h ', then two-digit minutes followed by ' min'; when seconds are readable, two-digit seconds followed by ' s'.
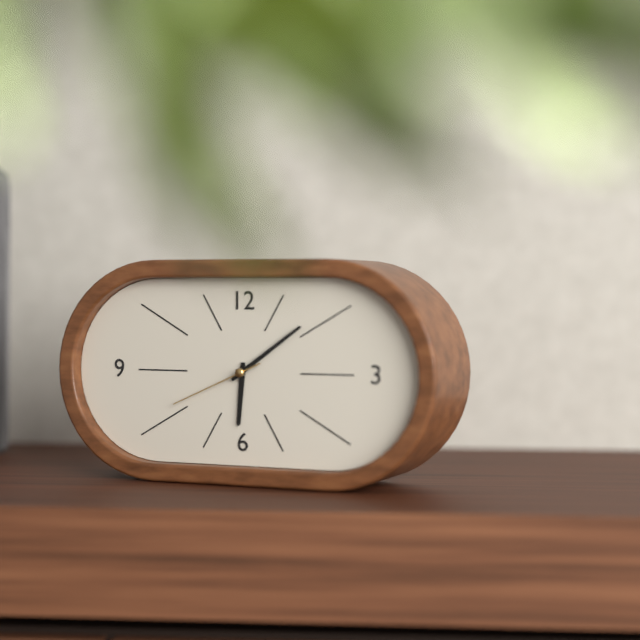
6 h 09 min 41 s
